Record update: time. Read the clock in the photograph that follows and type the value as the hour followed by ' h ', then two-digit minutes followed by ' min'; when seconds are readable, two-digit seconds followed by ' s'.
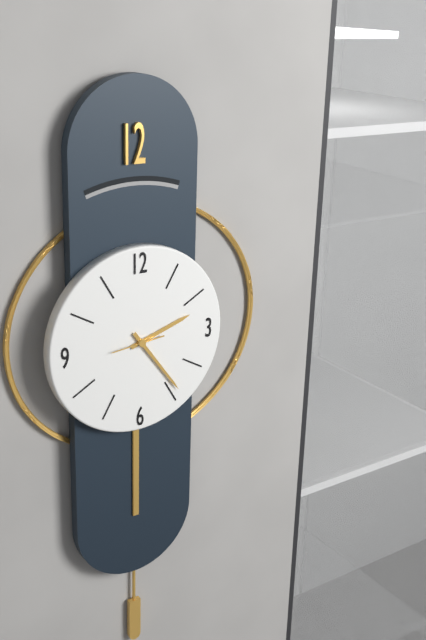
2 h 24 min
